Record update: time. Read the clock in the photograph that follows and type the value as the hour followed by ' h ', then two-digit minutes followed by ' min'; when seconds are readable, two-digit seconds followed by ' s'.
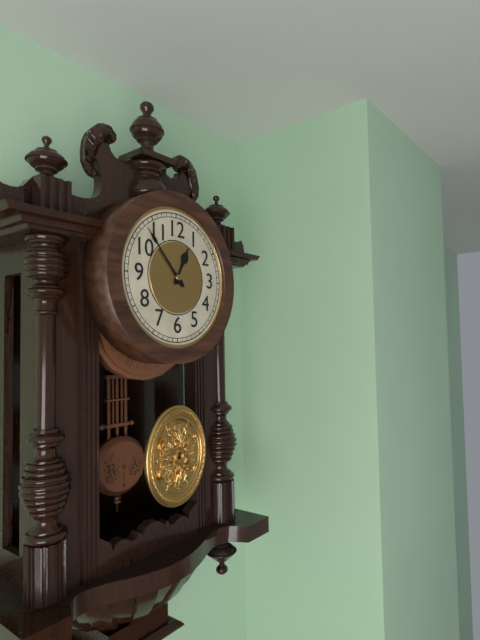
12 h 53 min
